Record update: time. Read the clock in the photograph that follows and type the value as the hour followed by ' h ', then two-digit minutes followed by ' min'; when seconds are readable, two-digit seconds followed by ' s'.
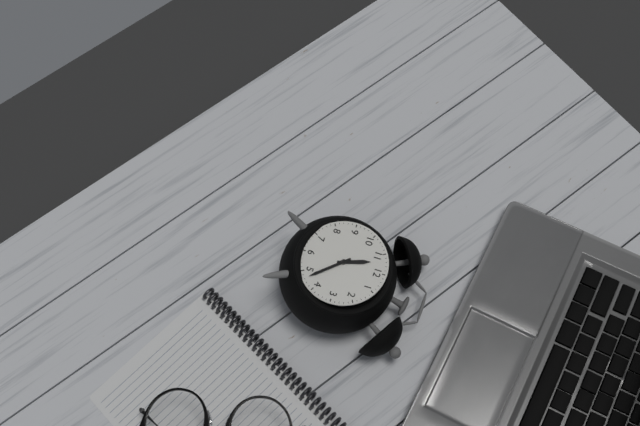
11 h 23 min
